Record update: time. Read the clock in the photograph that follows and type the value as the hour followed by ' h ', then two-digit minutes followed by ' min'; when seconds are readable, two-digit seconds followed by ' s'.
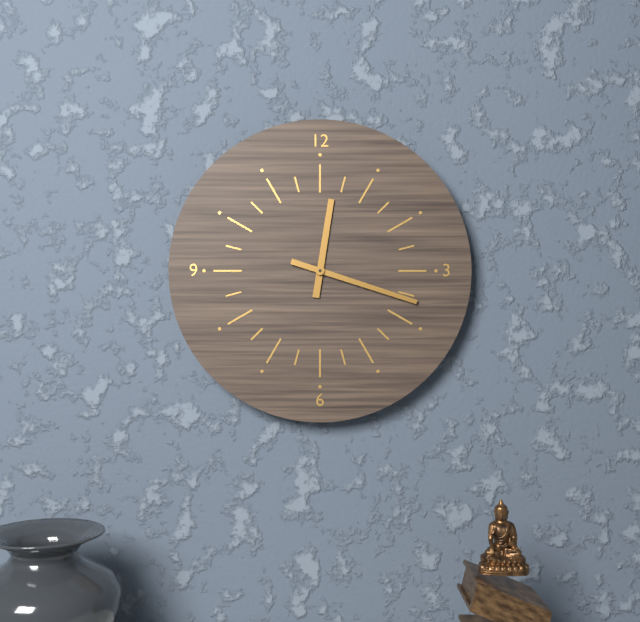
12 h 18 min
